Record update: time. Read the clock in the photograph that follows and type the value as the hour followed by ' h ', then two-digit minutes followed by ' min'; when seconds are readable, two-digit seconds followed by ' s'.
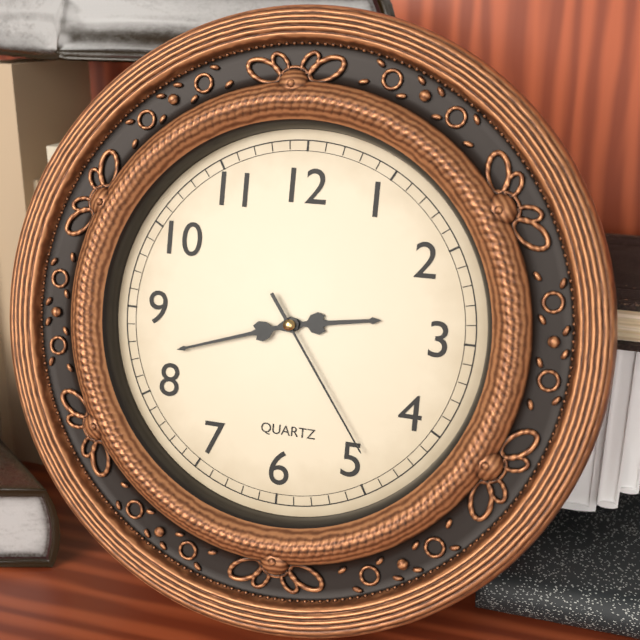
2 h 42 min 24 s
